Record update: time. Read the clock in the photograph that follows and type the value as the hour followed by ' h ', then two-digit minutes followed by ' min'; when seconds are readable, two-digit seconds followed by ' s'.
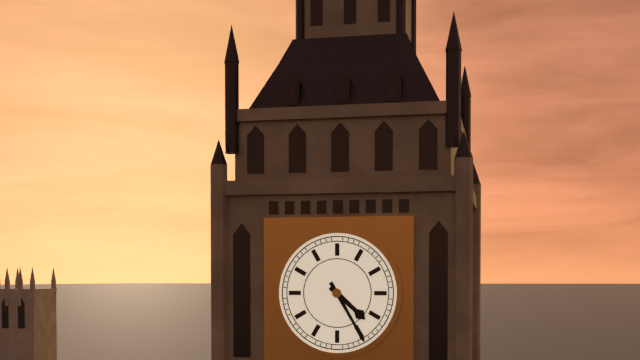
4 h 25 min
